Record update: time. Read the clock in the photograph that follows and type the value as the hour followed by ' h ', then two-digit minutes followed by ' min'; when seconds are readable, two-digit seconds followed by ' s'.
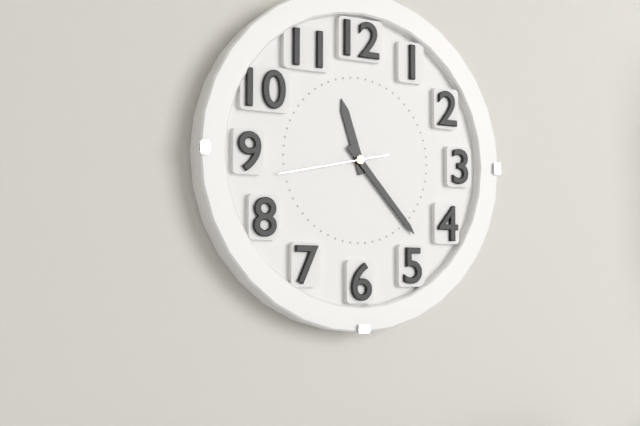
11 h 23 min 43 s
